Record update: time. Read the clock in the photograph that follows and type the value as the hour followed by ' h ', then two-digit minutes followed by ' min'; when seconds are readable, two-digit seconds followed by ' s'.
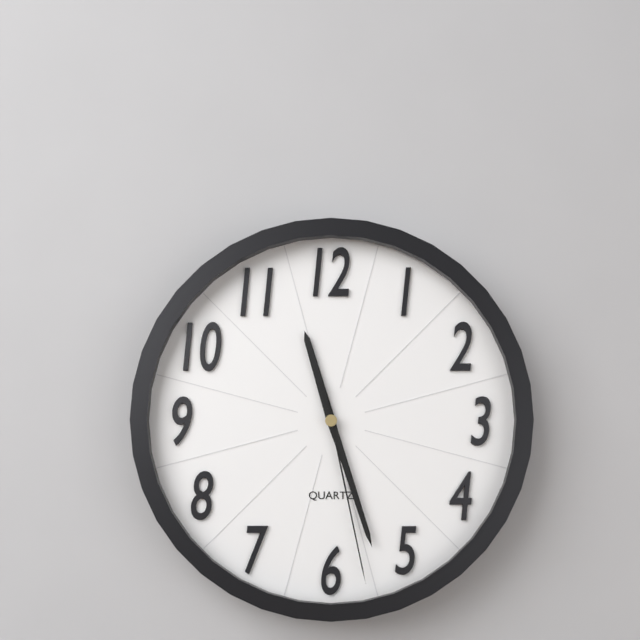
11 h 27 min 28 s
